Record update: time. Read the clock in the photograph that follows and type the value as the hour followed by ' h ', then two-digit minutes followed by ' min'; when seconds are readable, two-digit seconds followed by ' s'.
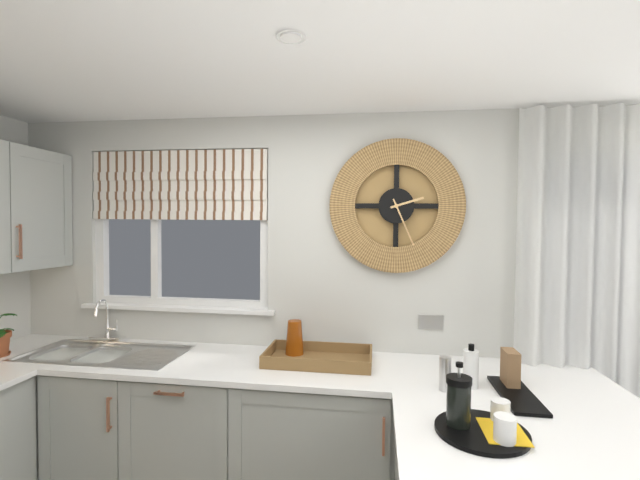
2 h 26 min
